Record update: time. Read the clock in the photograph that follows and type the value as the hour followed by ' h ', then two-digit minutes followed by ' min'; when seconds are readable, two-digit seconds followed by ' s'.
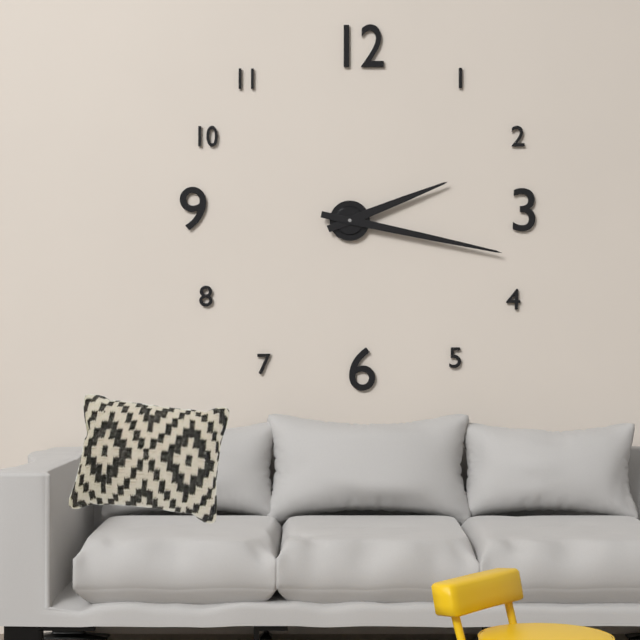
2 h 17 min
